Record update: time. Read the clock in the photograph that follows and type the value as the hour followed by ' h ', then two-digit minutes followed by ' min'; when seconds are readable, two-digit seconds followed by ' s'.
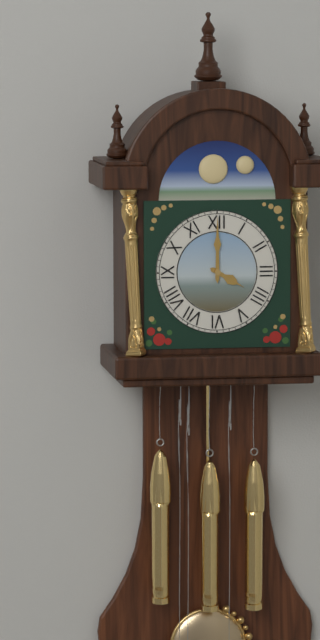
4 h 00 min
